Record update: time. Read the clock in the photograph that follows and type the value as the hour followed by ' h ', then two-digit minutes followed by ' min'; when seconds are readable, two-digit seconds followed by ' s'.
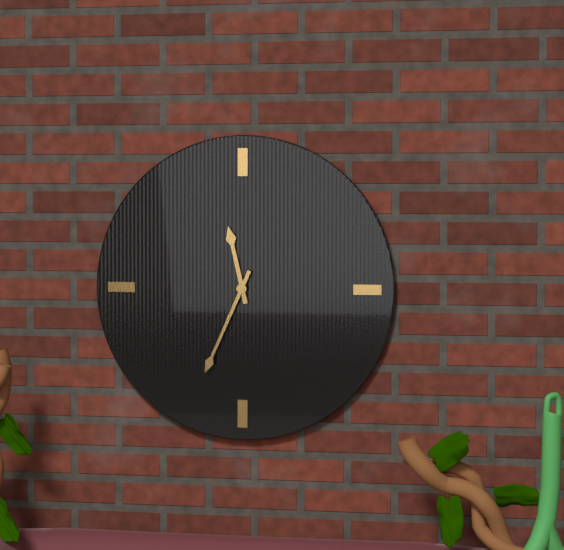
11 h 34 min
